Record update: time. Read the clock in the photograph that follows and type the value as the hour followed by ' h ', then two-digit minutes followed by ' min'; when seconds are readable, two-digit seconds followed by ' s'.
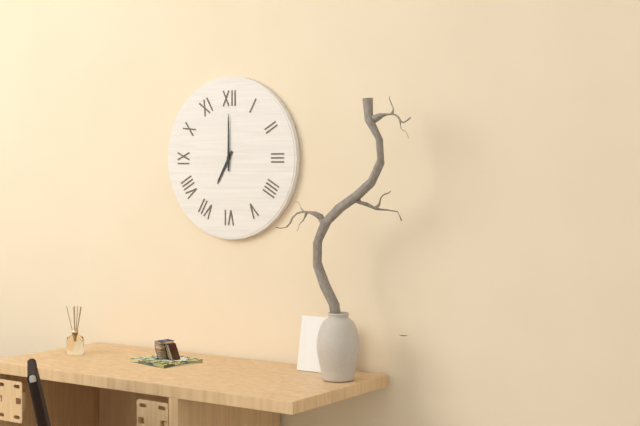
7 h 00 min
